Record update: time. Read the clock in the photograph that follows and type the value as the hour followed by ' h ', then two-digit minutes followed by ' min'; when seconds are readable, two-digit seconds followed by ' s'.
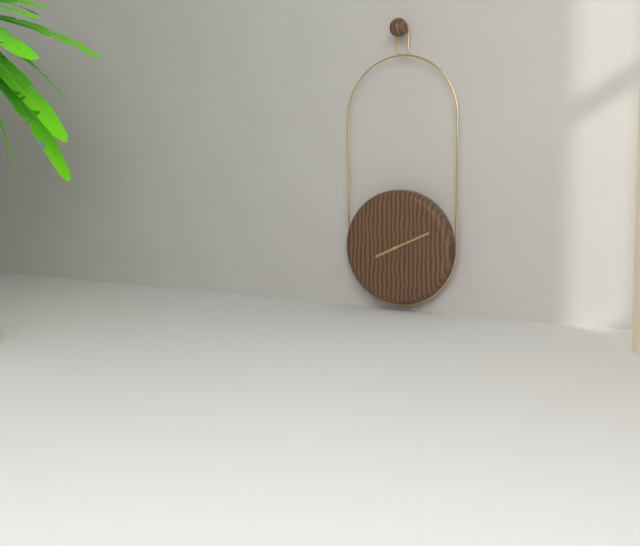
8 h 11 min
